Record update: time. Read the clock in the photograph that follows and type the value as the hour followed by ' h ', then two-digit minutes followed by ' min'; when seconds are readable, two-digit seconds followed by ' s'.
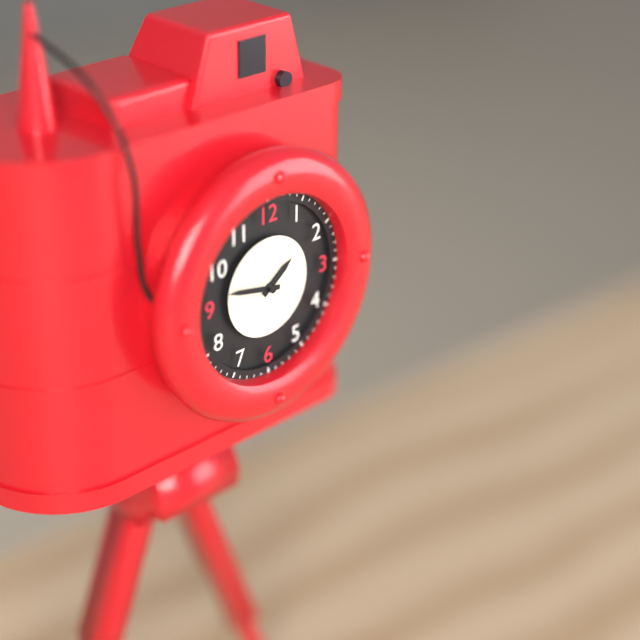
1 h 47 min
